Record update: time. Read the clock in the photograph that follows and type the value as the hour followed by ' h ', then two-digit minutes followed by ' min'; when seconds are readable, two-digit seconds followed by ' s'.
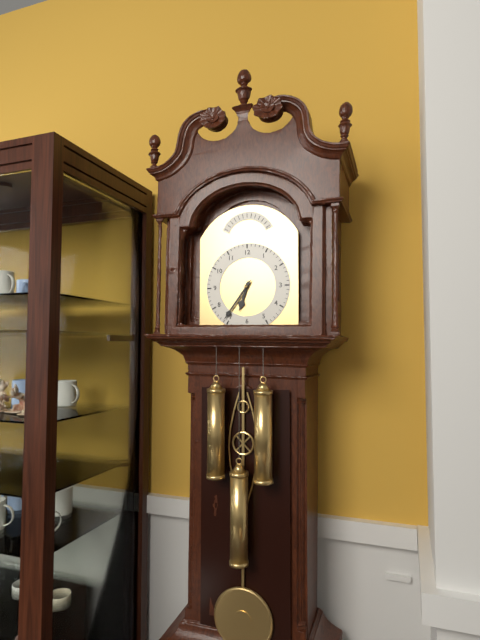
6 h 36 min
